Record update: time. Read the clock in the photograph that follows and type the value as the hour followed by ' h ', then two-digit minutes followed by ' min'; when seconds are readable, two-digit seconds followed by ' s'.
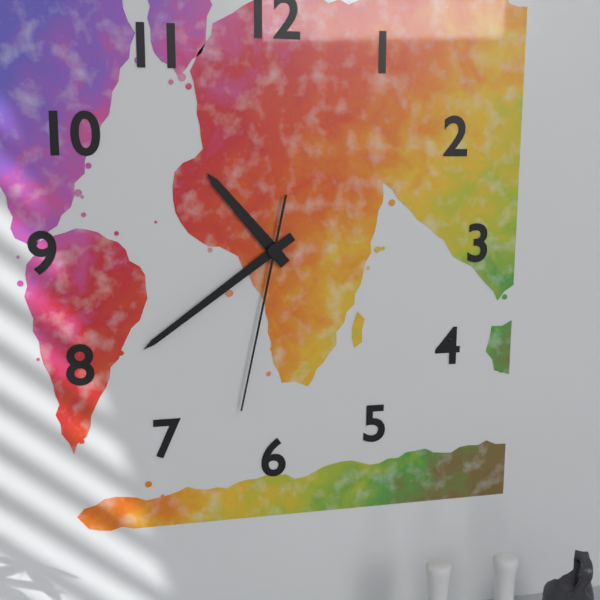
10 h 39 min 32 s
